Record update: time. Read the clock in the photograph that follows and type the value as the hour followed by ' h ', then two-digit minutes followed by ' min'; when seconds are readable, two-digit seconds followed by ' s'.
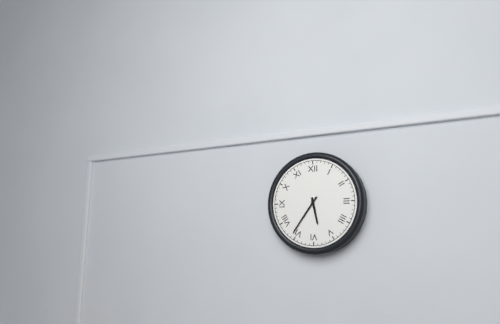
5 h 36 min
